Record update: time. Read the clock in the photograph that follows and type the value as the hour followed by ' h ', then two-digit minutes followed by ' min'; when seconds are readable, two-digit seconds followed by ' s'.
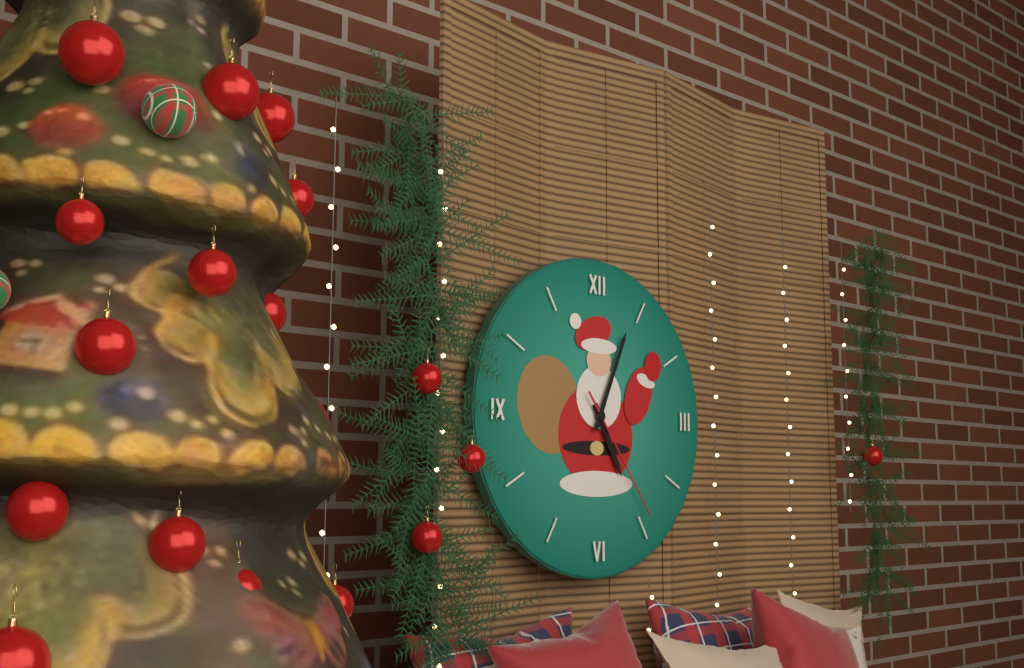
5 h 04 min 24 s
